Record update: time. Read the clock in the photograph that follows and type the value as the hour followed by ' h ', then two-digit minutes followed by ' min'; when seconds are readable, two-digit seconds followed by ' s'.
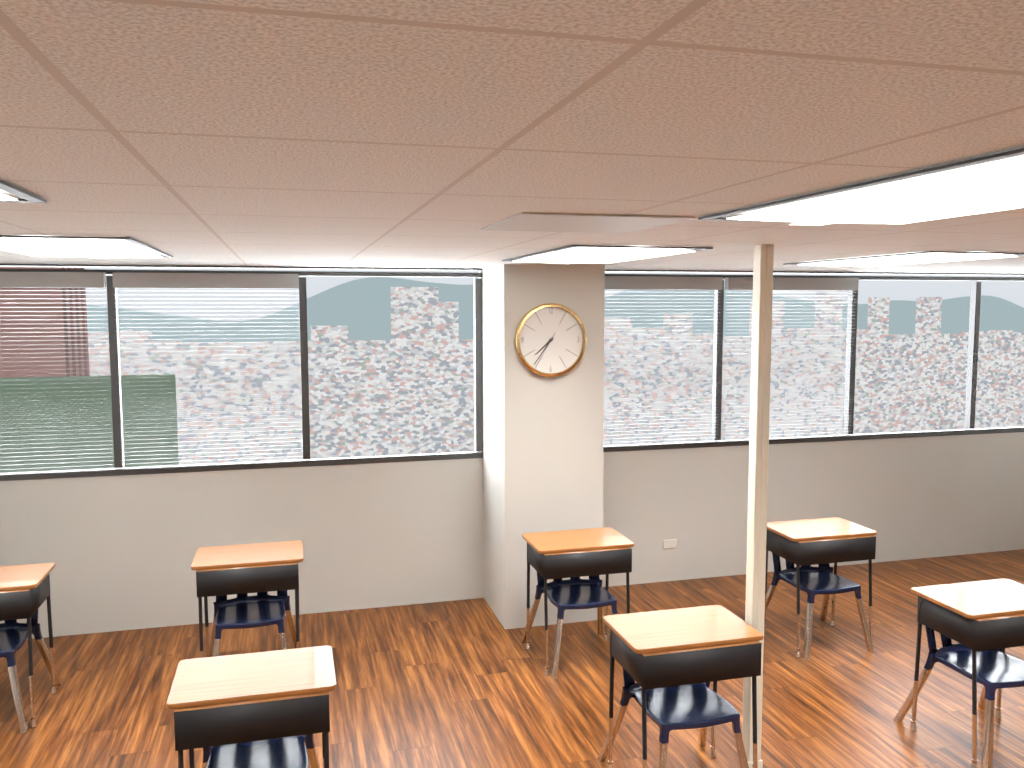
7 h 36 min
